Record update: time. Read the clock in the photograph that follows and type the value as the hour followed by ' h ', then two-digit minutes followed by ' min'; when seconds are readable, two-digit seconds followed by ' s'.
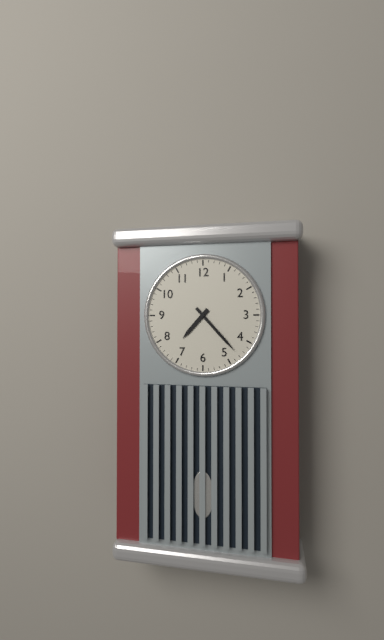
7 h 23 min
